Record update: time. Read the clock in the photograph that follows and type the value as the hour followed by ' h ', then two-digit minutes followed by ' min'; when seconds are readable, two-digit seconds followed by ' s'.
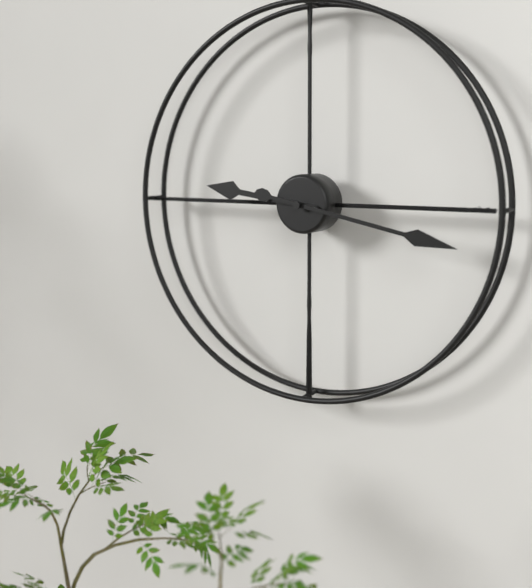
9 h 17 min
